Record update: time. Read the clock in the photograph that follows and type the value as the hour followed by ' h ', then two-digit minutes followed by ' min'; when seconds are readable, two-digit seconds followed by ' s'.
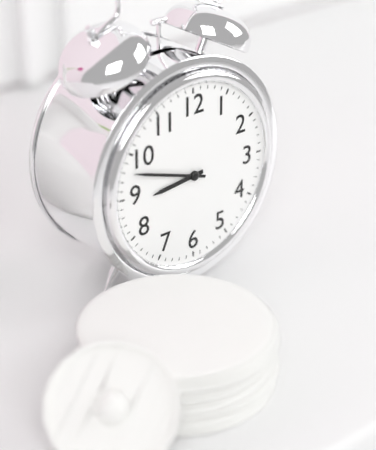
8 h 48 min
